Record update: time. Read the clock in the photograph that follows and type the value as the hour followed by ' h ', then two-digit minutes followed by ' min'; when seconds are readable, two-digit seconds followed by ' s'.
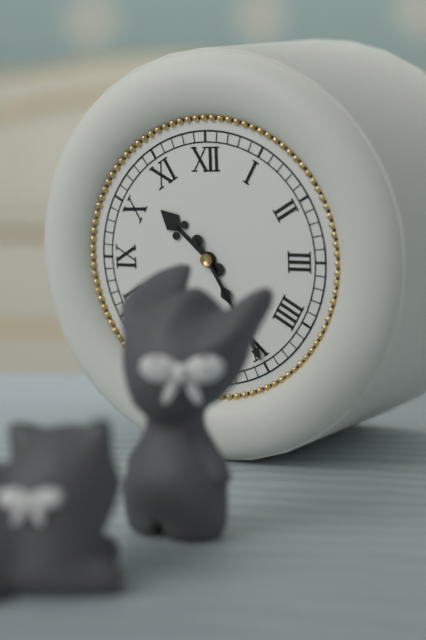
10 h 25 min
